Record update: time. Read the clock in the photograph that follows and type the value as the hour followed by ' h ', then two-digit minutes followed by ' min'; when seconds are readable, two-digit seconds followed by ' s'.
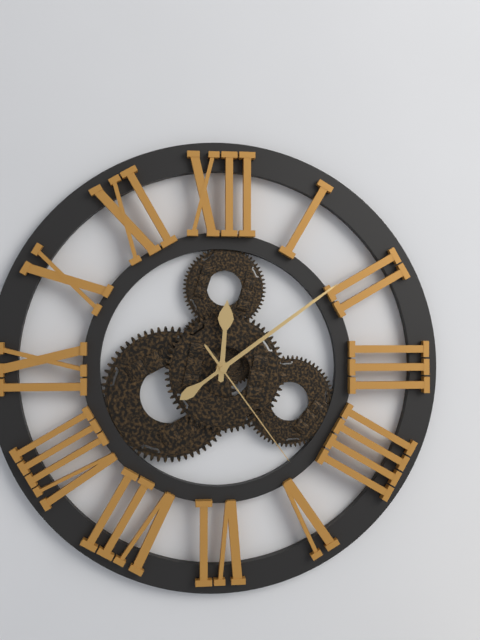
12 h 09 min 24 s
